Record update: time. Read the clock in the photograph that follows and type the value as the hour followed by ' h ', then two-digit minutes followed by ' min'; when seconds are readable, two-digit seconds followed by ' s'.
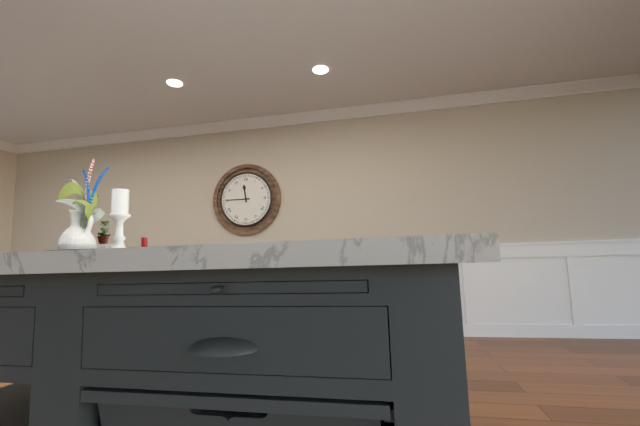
11 h 45 min
